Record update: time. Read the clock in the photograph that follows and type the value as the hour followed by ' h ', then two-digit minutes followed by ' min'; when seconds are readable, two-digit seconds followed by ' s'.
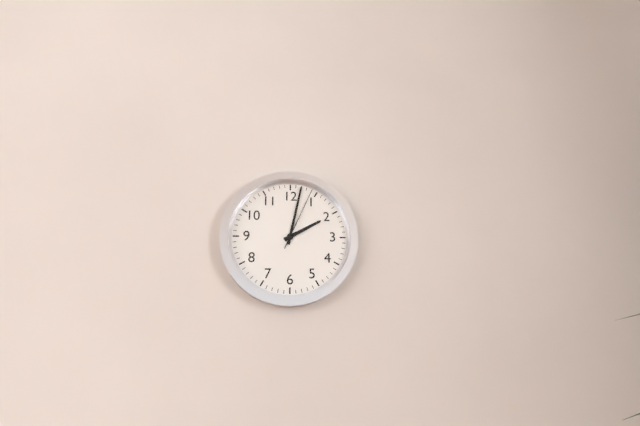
2 h 02 min 04 s
